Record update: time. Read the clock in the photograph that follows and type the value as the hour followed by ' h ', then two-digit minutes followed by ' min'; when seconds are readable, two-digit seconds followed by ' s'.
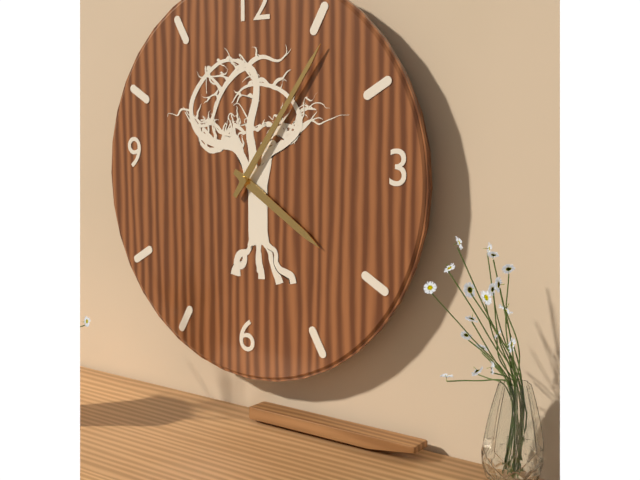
4 h 06 min
